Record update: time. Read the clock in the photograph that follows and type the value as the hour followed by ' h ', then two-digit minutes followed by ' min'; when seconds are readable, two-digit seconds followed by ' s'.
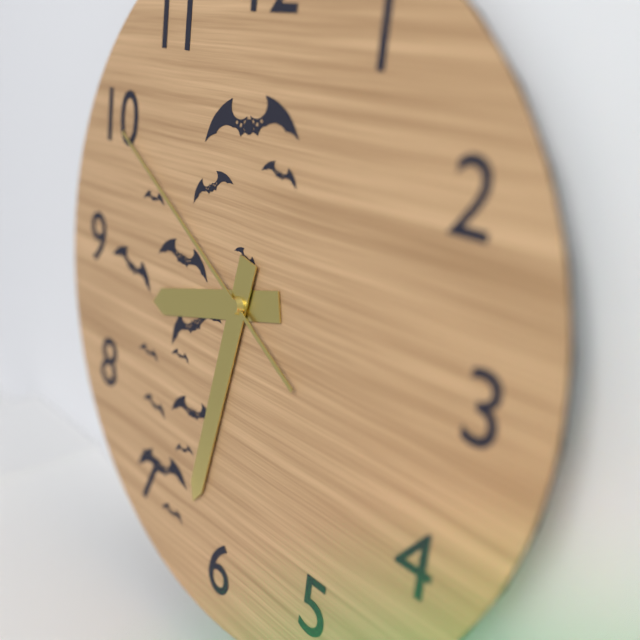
8 h 32 min 50 s
